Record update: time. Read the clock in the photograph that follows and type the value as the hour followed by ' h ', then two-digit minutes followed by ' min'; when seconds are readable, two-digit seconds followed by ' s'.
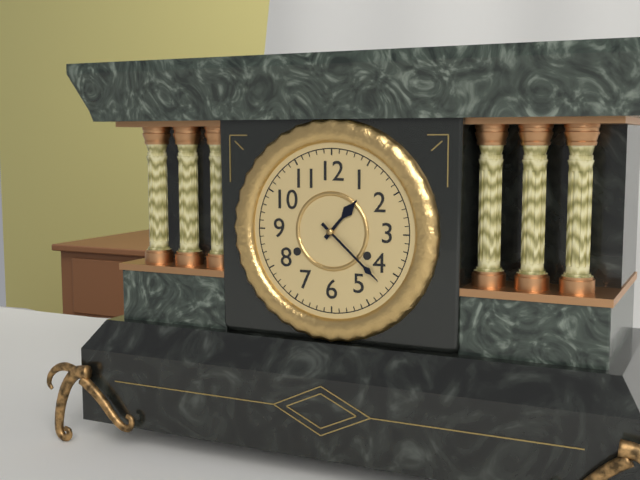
1 h 22 min
